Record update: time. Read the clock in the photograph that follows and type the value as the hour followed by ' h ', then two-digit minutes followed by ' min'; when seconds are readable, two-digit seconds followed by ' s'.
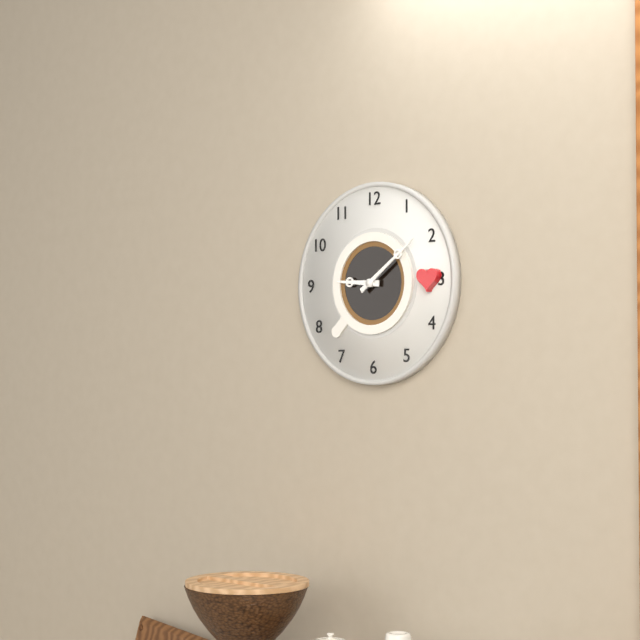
9 h 09 min
